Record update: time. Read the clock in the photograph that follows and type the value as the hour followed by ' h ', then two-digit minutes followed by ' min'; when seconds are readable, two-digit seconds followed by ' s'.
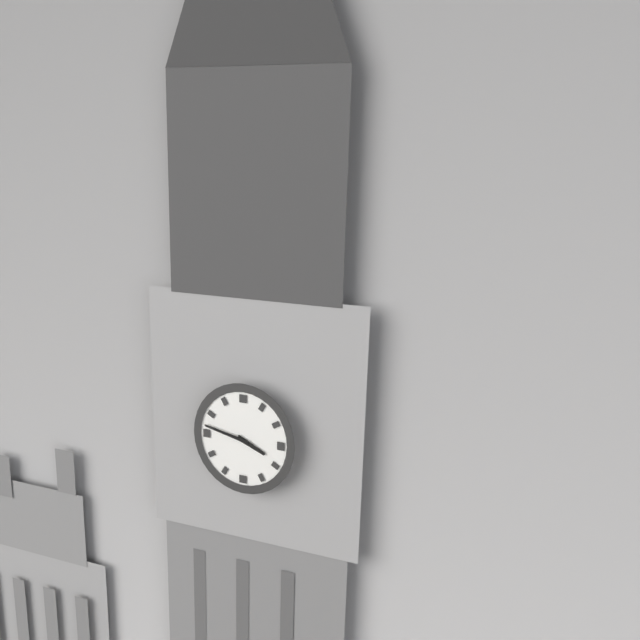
3 h 47 min
